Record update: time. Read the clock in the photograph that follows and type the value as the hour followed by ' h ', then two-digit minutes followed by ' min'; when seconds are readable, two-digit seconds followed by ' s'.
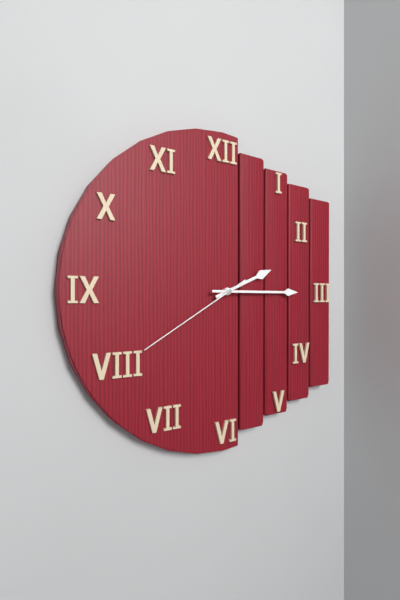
2 h 15 min 40 s
